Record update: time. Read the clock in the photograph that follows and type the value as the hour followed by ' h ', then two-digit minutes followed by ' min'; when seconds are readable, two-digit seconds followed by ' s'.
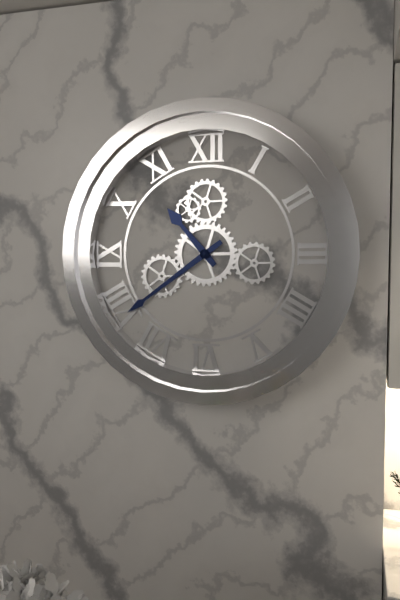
10 h 39 min
